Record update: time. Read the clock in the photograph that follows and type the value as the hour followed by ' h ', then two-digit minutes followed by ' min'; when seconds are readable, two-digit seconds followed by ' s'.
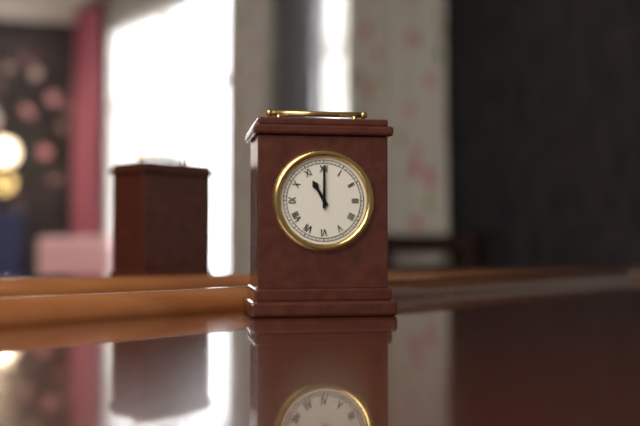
11 h 00 min
